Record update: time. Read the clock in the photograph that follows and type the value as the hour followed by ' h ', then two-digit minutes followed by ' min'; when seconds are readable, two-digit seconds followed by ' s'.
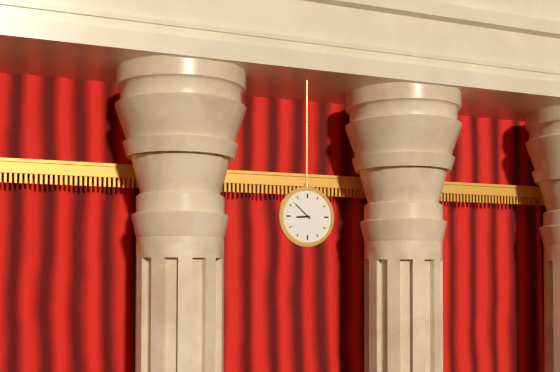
8 h 52 min
